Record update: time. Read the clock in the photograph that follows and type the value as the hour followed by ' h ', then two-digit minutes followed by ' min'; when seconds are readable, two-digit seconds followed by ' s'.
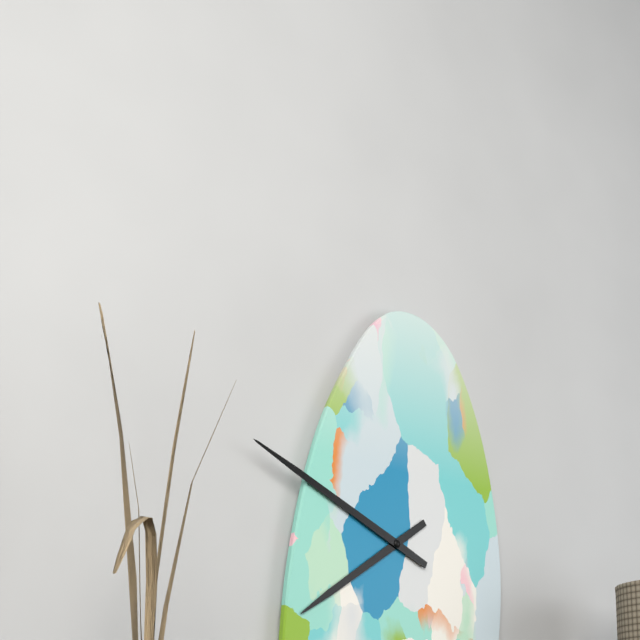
7 h 49 min
